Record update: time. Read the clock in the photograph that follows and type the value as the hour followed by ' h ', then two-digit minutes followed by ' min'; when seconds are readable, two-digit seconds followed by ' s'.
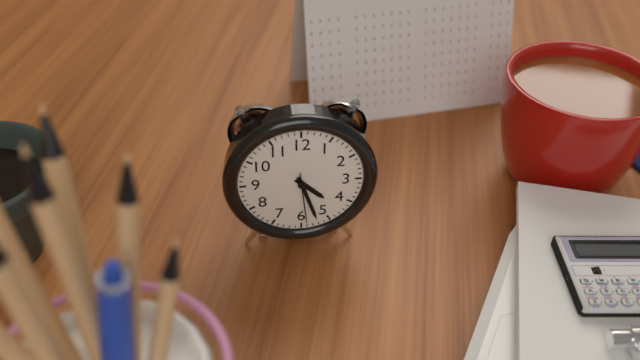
4 h 27 min 29 s
